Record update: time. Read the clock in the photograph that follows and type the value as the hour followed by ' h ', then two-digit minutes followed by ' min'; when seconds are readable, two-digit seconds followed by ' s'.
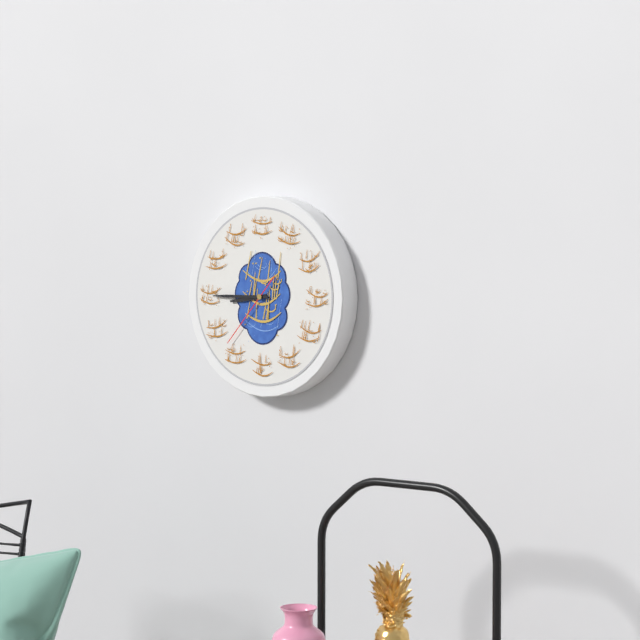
8 h 45 min 37 s
